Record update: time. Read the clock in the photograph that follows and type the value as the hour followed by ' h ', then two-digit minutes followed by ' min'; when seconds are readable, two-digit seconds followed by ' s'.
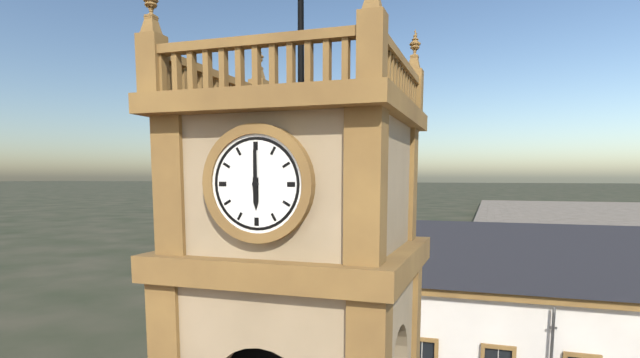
6 h 00 min
